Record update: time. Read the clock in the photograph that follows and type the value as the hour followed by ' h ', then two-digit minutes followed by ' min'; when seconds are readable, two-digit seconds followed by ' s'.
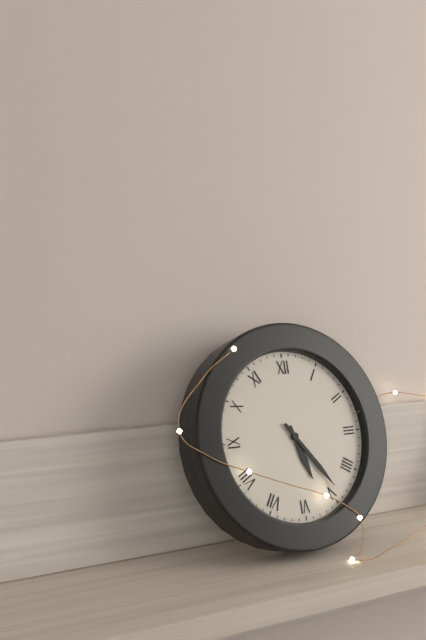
5 h 24 min
